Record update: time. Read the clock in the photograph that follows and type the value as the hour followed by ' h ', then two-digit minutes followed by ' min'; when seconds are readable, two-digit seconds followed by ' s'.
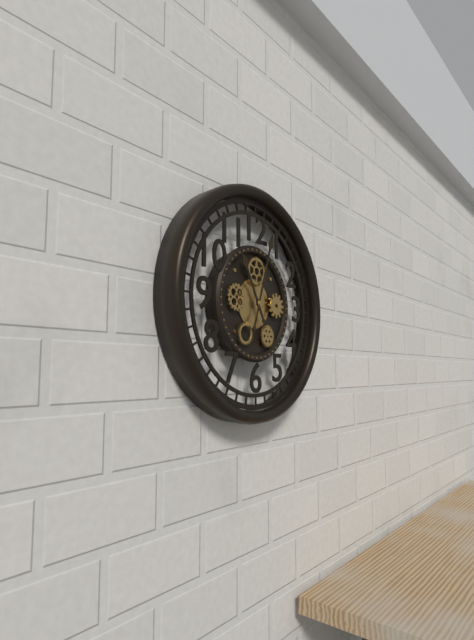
11 h 03 min
